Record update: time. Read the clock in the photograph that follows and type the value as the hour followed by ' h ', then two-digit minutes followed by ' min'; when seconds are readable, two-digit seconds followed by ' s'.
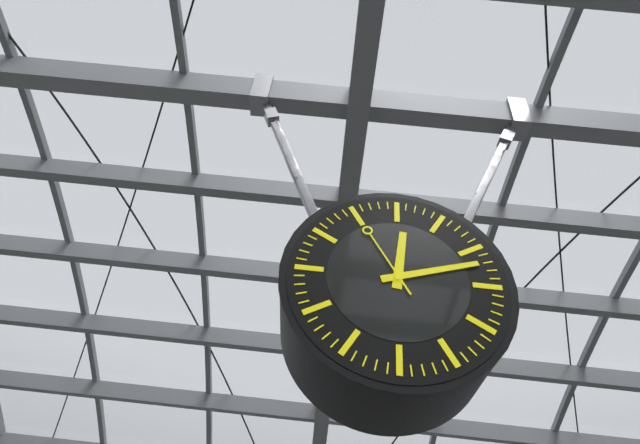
12 h 12 min 55 s
